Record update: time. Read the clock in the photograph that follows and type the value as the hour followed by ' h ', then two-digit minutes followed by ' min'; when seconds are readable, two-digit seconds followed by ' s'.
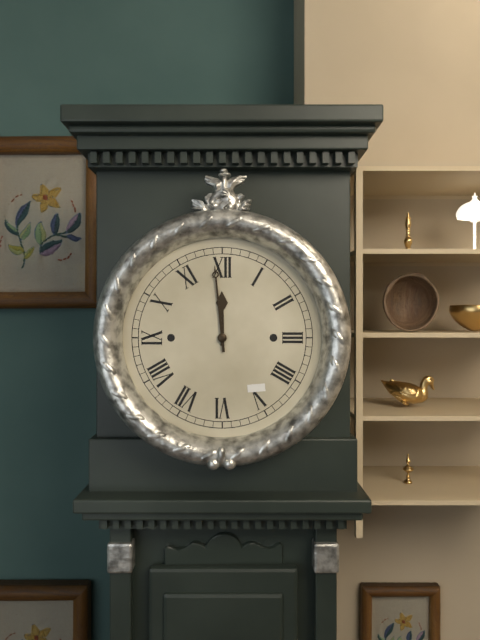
11 h 59 min
